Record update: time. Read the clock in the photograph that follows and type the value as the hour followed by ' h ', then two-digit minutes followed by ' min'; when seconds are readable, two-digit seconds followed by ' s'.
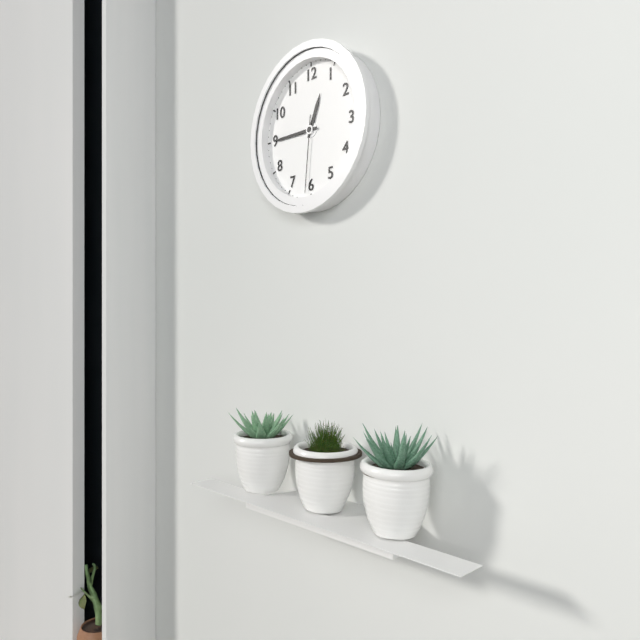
12 h 45 min 31 s
